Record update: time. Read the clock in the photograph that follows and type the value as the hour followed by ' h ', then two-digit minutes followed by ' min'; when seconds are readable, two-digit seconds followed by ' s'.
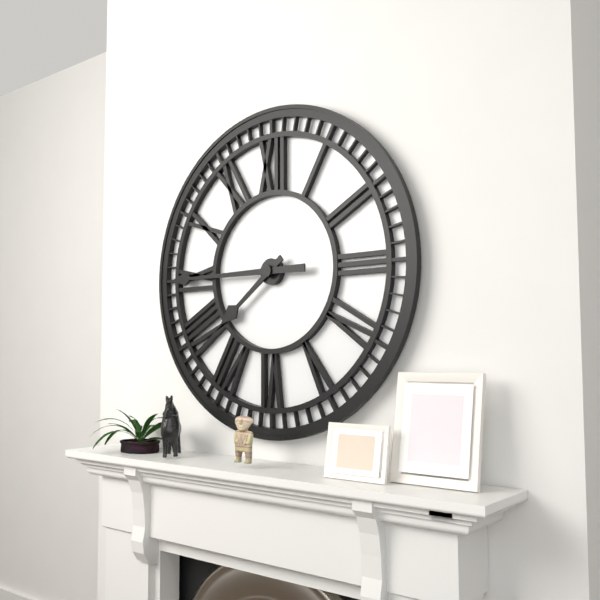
7 h 45 min
